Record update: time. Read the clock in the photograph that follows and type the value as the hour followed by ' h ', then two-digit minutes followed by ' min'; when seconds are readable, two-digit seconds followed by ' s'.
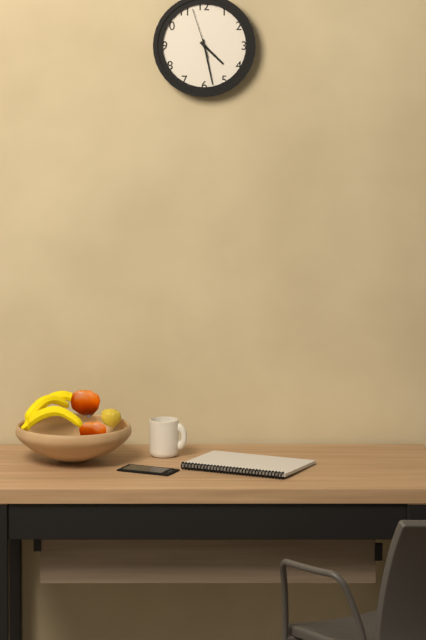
4 h 28 min
